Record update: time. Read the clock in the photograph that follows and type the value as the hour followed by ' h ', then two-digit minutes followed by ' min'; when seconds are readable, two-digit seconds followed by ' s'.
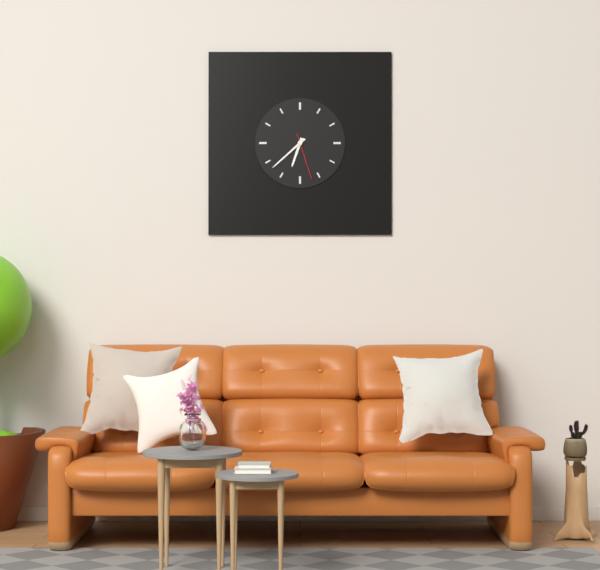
6 h 38 min
